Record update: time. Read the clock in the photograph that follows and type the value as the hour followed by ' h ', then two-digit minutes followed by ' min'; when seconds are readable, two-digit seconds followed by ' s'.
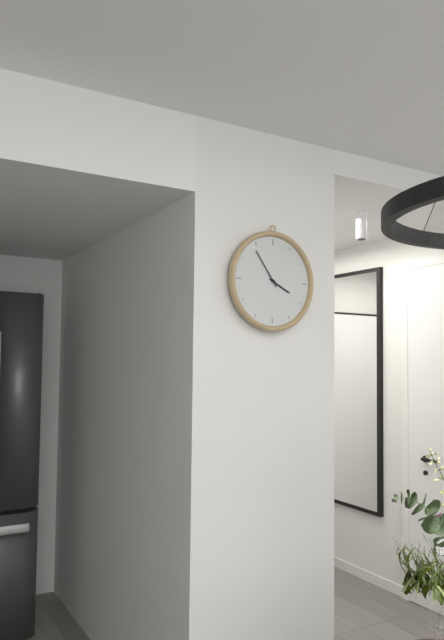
3 h 54 min
